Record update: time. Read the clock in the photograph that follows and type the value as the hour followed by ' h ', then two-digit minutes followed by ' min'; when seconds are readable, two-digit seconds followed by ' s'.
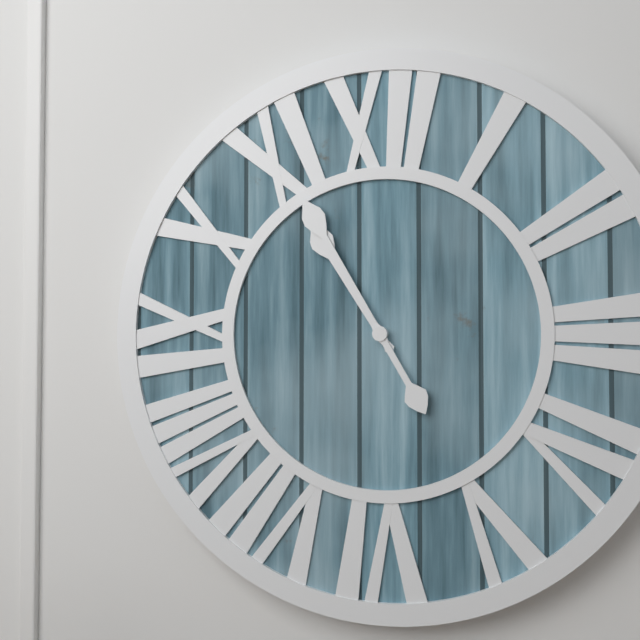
10 h 55 min
